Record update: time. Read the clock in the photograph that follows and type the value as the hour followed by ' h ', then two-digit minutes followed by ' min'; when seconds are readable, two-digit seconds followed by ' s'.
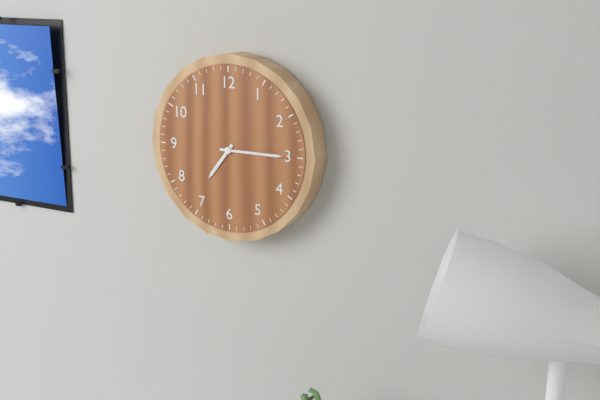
7 h 15 min
